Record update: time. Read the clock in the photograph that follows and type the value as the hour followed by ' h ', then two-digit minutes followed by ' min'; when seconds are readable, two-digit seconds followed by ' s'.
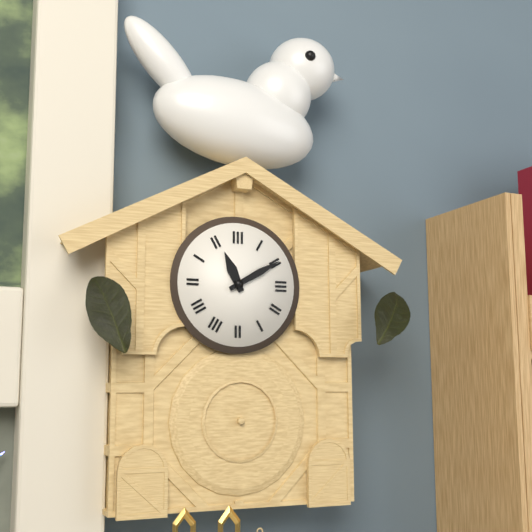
11 h 10 min
